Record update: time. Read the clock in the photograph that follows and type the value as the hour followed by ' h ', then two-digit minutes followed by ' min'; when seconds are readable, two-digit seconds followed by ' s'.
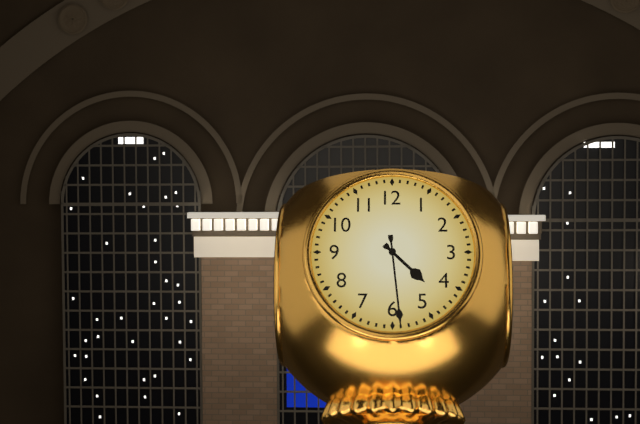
4 h 29 min
